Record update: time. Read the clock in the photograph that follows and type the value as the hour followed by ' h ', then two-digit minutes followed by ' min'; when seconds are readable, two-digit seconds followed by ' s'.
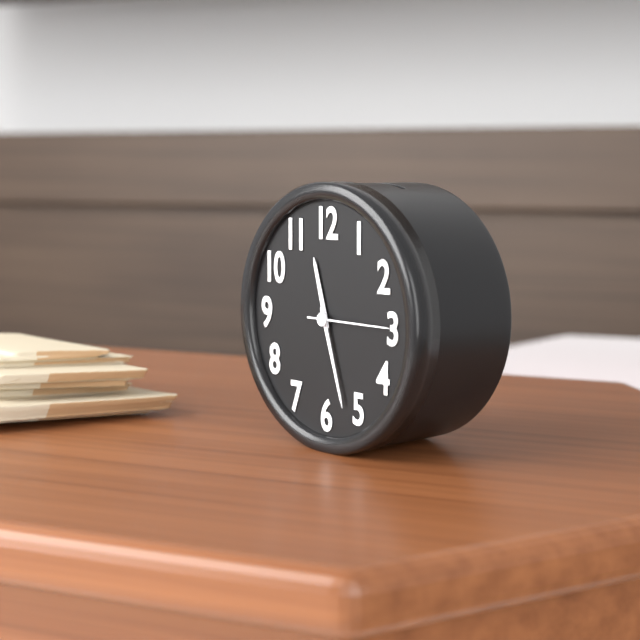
11 h 27 min 15 s
